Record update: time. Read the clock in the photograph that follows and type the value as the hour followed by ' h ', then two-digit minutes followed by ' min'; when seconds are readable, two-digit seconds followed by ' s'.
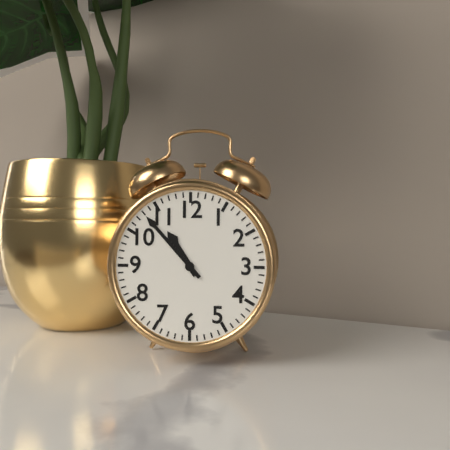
10 h 53 min
